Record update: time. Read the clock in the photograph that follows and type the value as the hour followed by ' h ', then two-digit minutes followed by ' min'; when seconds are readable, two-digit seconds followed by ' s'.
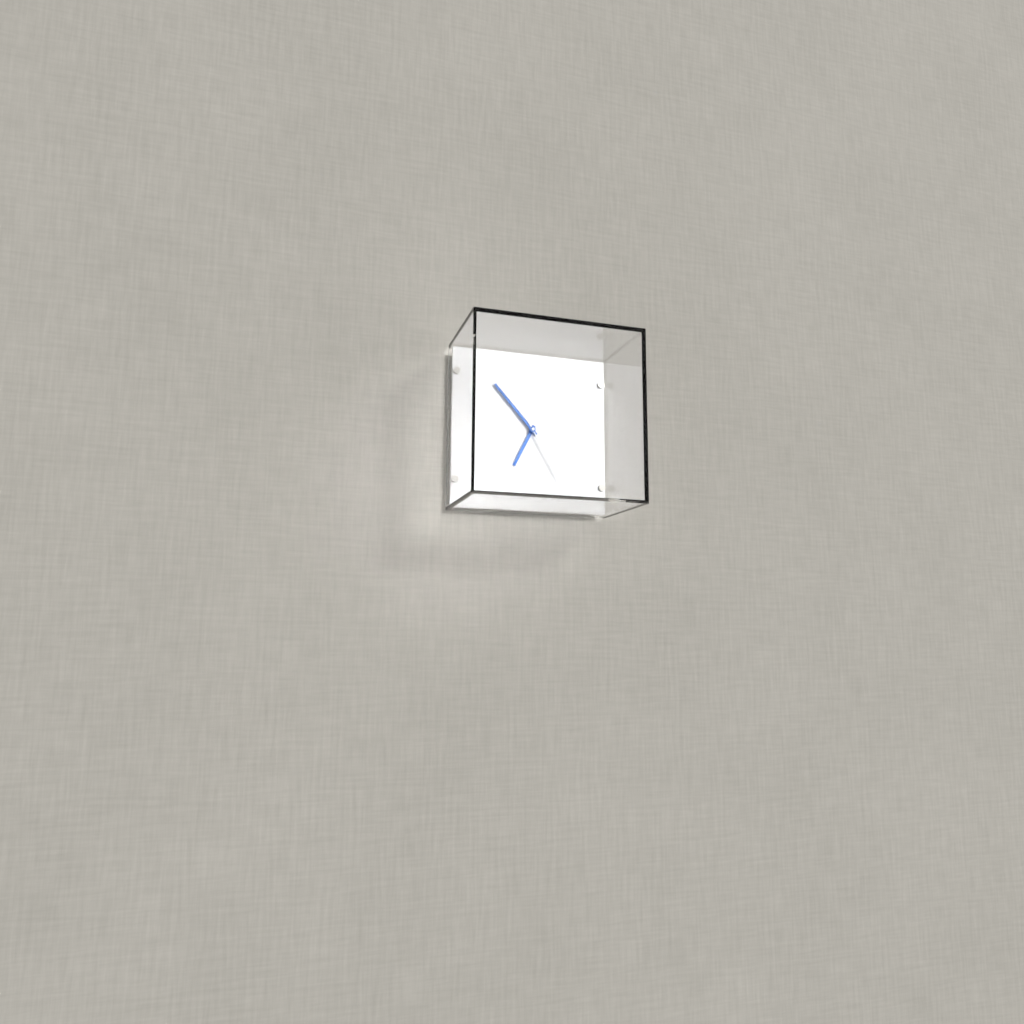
6 h 53 min 25 s
